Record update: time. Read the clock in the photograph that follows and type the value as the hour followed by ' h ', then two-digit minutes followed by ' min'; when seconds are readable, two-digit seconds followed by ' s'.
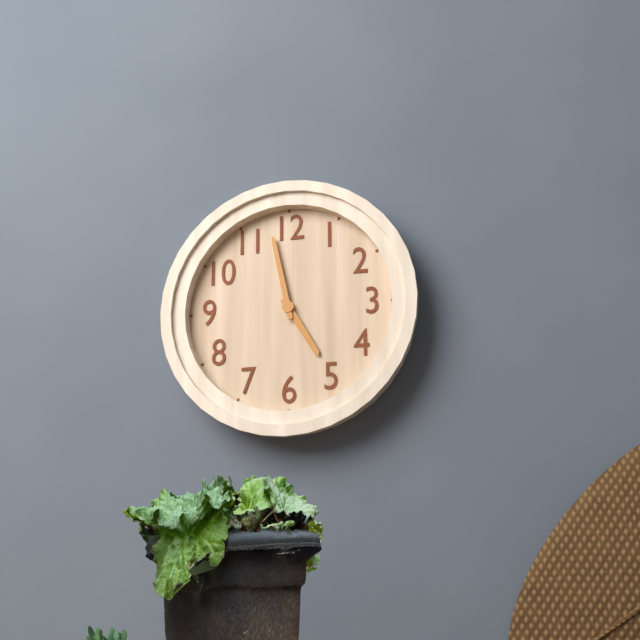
4 h 58 min
